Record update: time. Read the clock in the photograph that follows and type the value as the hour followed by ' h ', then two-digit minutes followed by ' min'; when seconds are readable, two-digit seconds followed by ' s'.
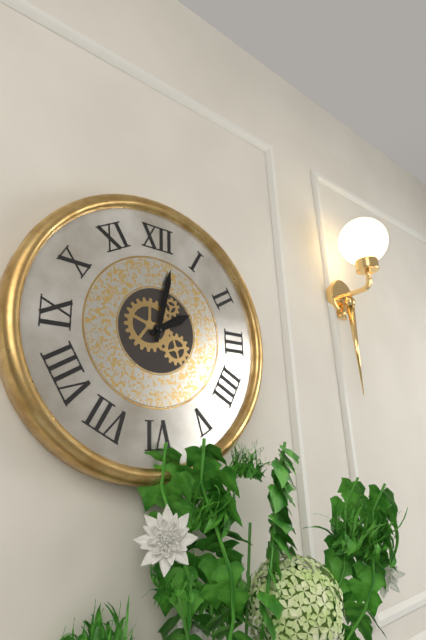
2 h 02 min
